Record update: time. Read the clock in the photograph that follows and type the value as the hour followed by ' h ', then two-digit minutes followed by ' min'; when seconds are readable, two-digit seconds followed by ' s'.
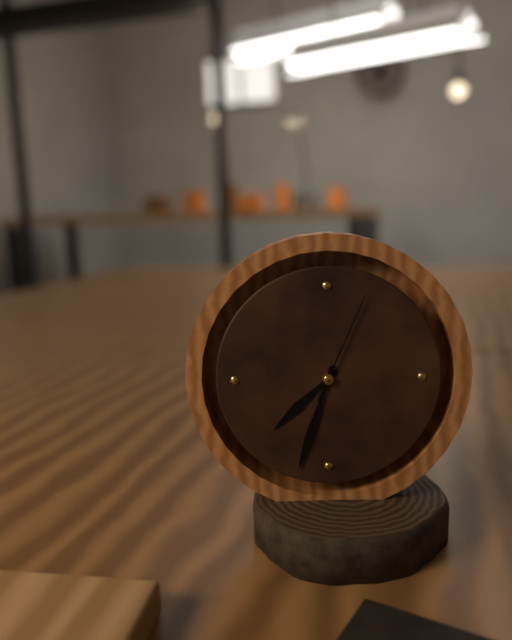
7 h 33 min 04 s
